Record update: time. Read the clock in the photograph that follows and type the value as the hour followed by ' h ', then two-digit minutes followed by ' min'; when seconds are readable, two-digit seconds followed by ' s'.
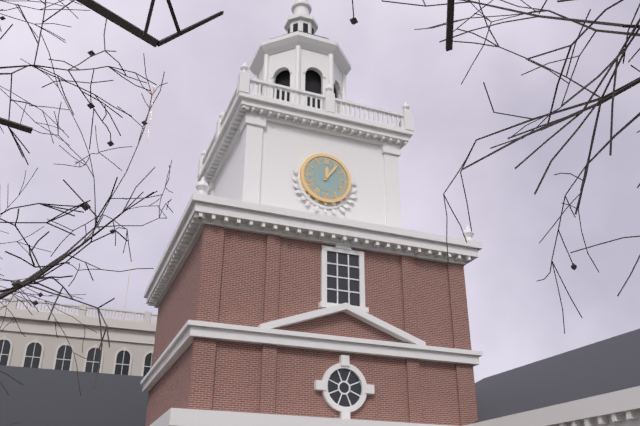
12 h 06 min
